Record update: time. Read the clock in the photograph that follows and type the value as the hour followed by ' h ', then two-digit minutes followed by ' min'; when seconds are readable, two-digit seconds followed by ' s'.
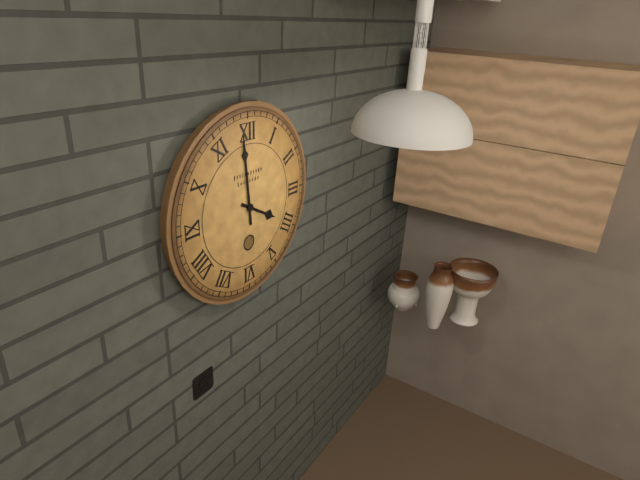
3 h 59 min
